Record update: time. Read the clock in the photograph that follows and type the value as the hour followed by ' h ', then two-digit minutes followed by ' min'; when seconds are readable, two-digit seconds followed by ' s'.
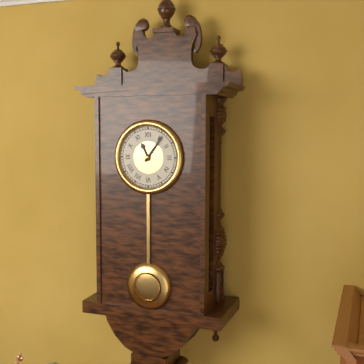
11 h 06 min
